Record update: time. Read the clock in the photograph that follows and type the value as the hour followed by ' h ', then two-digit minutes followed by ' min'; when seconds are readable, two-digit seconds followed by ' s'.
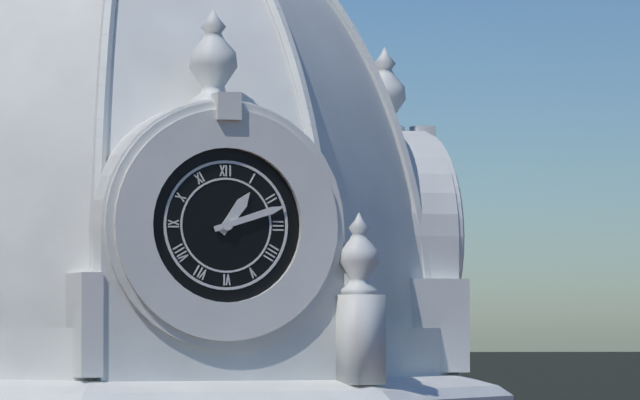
1 h 12 min
